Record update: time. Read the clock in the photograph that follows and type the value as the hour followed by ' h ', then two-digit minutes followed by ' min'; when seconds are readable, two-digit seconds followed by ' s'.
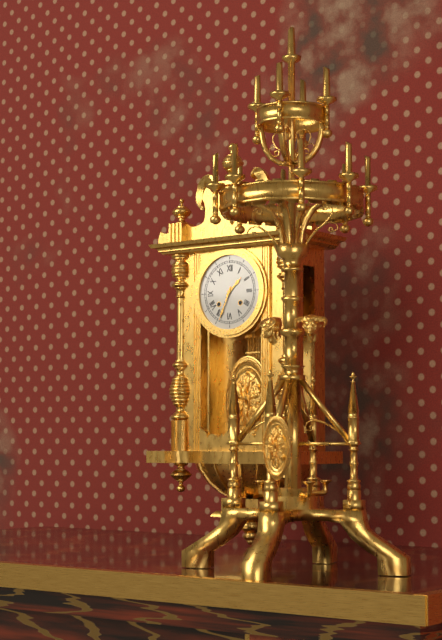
1 h 34 min
